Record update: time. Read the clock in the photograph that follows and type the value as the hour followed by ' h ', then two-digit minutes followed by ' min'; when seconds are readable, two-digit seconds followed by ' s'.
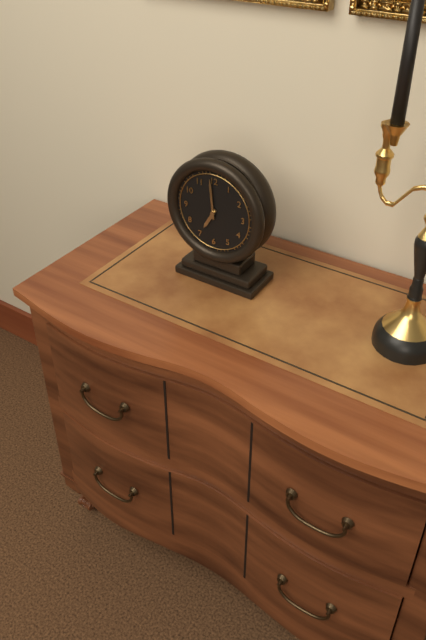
6 h 59 min
